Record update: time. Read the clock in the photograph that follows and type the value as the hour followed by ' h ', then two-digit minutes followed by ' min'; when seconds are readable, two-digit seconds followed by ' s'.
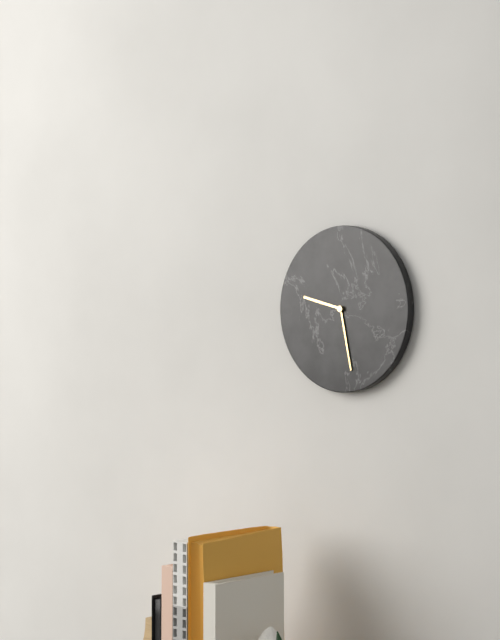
9 h 28 min
